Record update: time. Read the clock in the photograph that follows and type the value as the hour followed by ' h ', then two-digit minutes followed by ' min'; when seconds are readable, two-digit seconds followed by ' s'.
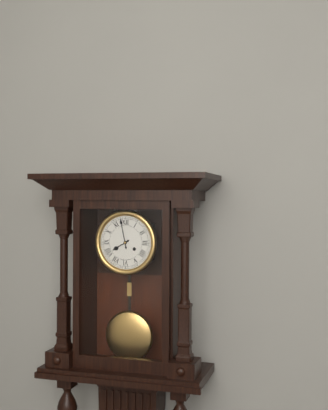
7 h 58 min
